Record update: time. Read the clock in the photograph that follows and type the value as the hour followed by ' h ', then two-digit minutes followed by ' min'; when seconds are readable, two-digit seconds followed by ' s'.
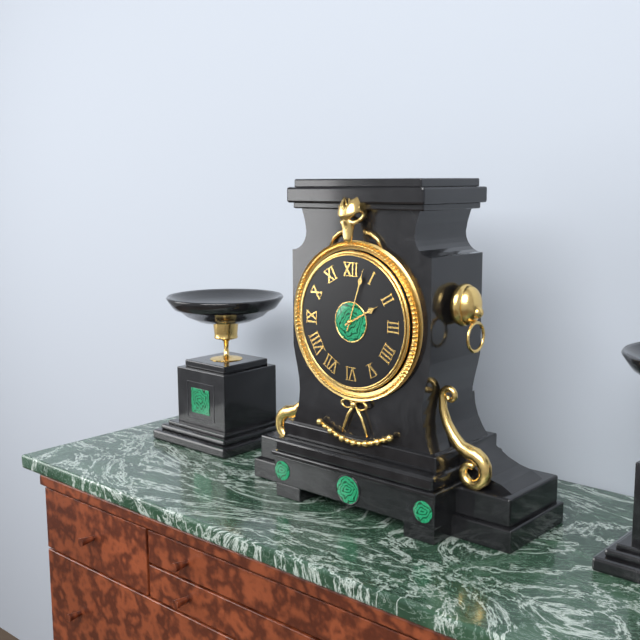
2 h 03 min
